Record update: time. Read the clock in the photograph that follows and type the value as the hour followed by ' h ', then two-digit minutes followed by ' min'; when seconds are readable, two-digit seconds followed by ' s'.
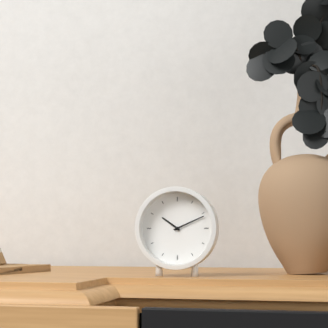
10 h 11 min
